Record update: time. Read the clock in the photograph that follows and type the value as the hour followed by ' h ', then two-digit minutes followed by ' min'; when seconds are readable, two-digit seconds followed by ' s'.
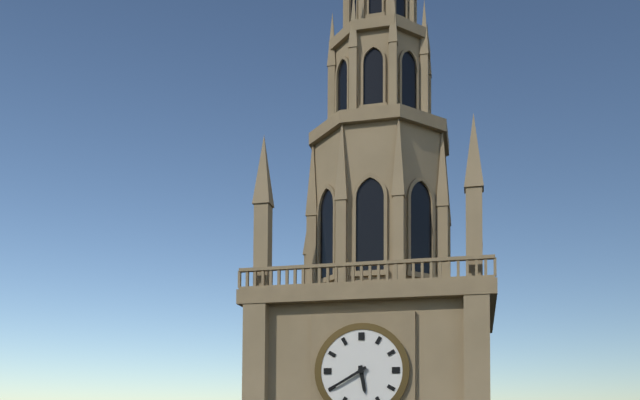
5 h 40 min
